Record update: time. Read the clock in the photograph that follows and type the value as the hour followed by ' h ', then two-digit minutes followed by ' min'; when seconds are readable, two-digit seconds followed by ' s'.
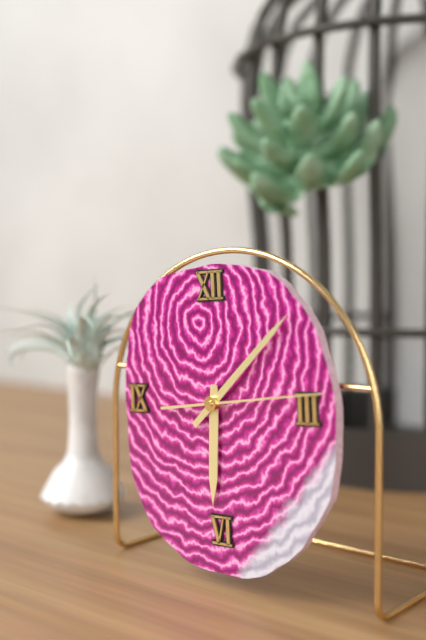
6 h 08 min 14 s
